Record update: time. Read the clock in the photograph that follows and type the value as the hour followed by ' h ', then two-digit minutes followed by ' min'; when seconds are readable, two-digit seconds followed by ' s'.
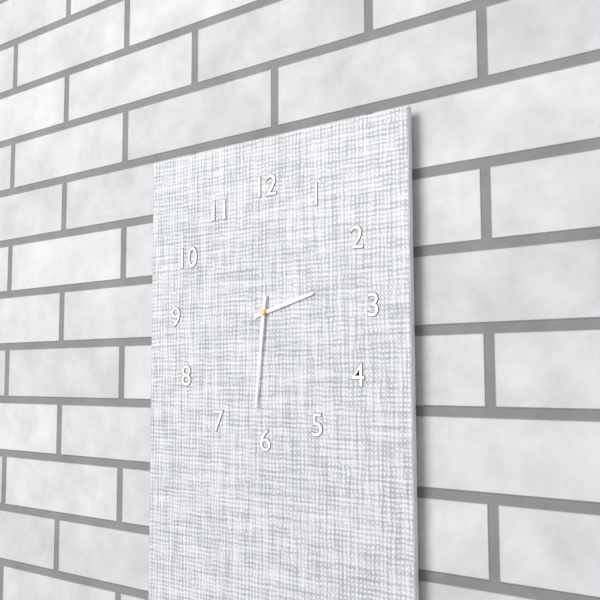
2 h 31 min
